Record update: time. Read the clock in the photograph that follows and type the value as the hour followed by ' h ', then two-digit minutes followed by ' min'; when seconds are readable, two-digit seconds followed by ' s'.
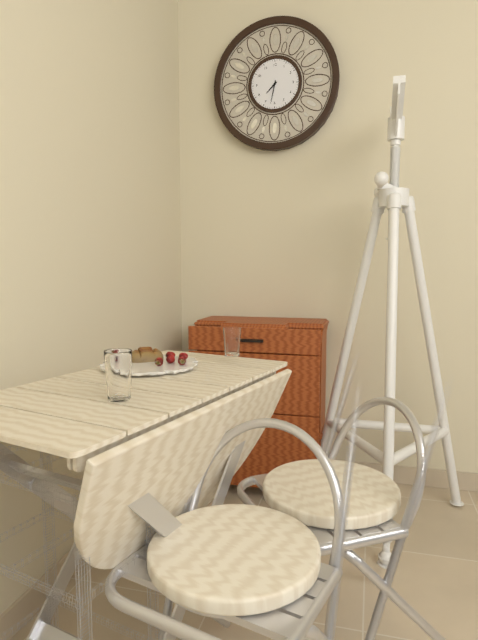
7 h 32 min
